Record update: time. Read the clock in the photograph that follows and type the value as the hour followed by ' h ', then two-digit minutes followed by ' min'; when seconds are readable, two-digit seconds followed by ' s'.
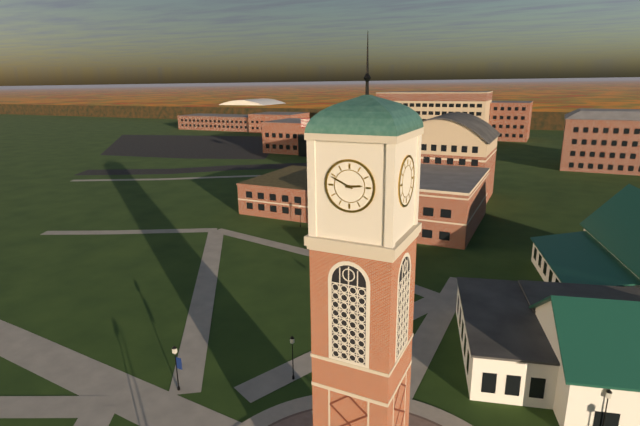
2 h 49 min
